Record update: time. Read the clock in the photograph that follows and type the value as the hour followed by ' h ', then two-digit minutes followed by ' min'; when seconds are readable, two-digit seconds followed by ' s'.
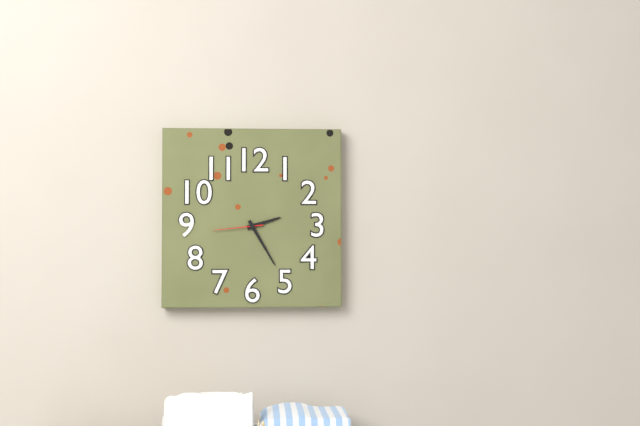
2 h 25 min 44 s
